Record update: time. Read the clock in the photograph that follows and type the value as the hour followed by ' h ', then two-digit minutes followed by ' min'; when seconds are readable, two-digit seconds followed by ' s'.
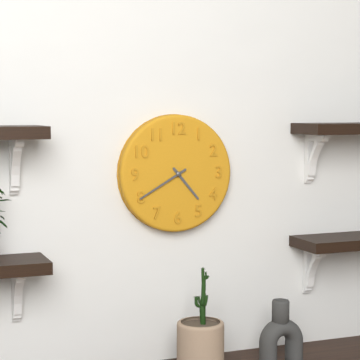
4 h 40 min
